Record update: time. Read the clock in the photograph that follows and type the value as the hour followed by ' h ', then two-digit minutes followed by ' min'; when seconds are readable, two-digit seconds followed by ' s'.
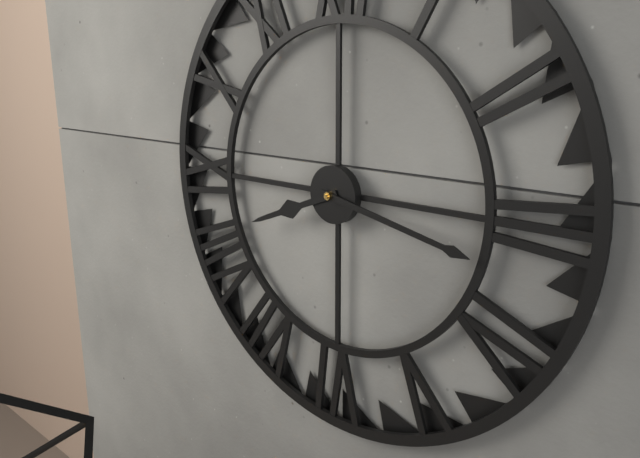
8 h 17 min
